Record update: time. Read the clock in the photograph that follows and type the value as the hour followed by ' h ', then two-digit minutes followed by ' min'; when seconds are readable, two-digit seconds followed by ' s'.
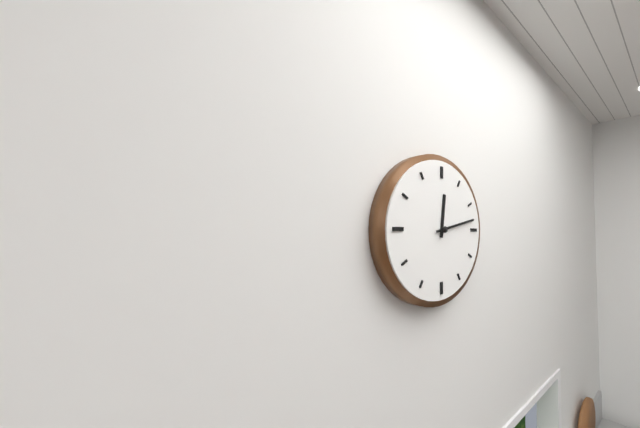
12 h 13 min
